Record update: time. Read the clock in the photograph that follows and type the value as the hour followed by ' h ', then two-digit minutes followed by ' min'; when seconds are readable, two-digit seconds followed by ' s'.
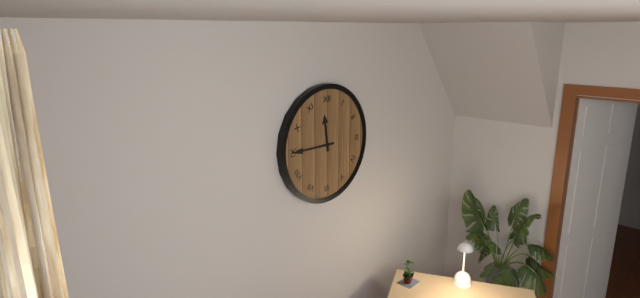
11 h 45 min
